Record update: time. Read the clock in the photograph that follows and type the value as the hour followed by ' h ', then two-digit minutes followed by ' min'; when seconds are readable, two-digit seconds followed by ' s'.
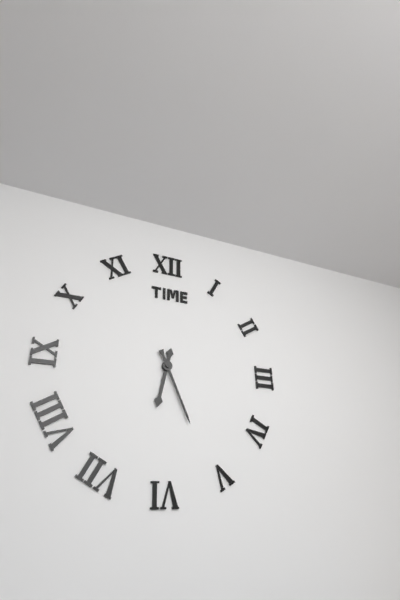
6 h 26 min
